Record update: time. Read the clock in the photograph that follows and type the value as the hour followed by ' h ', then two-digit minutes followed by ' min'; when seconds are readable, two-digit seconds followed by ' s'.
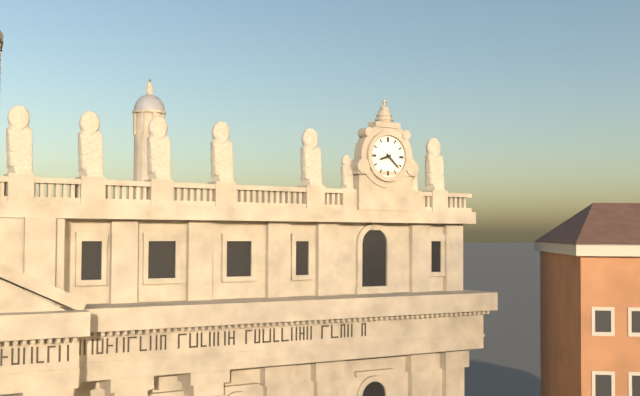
8 h 22 min
